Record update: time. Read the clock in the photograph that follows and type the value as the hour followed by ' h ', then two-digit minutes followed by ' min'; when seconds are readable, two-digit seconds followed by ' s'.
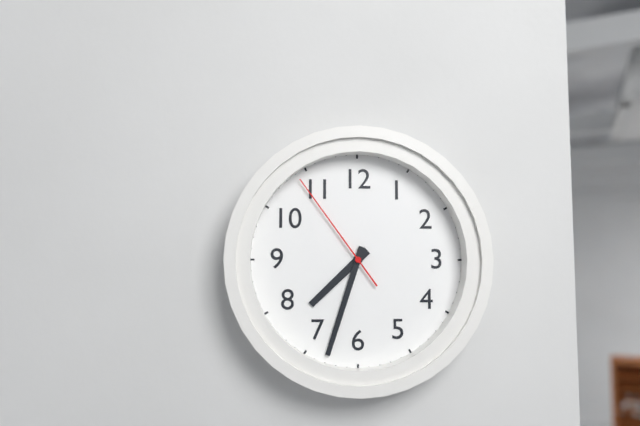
7 h 33 min 54 s
